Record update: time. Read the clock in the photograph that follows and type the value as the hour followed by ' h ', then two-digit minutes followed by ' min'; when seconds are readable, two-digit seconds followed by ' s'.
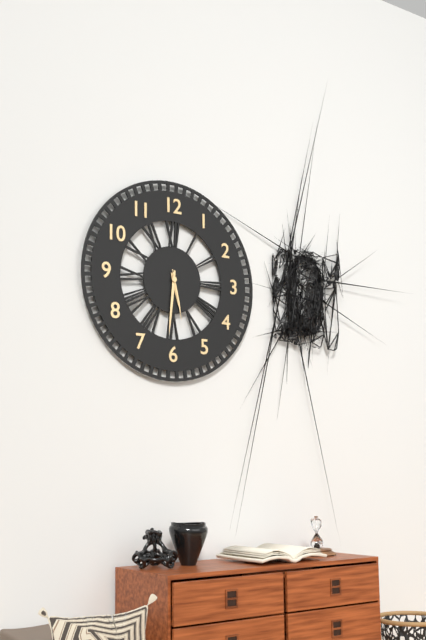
5 h 31 min 28 s
